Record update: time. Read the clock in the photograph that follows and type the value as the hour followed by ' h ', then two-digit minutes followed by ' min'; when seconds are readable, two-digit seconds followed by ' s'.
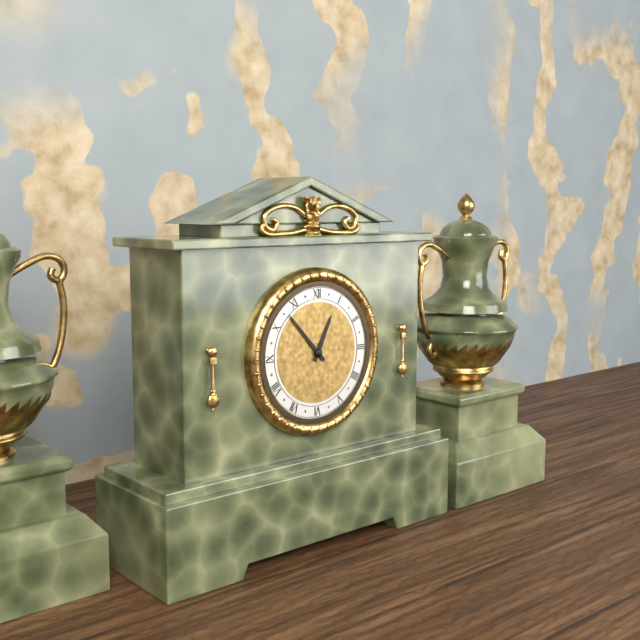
12 h 53 min
